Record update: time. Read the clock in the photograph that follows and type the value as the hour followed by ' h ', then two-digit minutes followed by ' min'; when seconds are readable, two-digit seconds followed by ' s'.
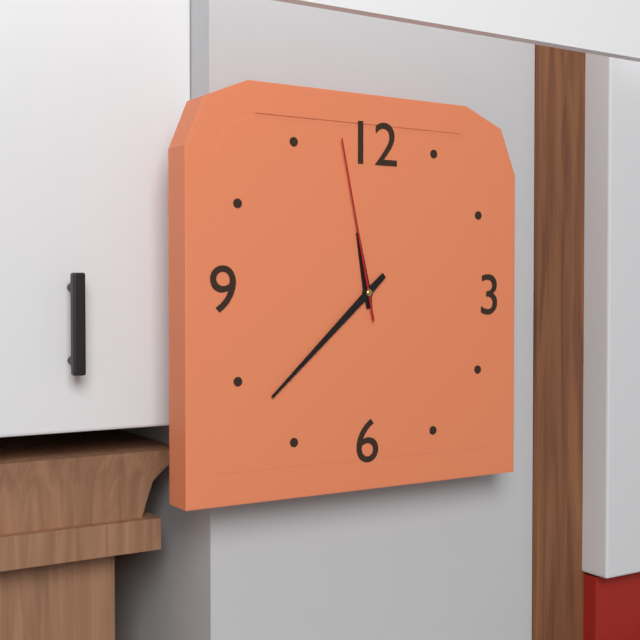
11 h 38 min 58 s
